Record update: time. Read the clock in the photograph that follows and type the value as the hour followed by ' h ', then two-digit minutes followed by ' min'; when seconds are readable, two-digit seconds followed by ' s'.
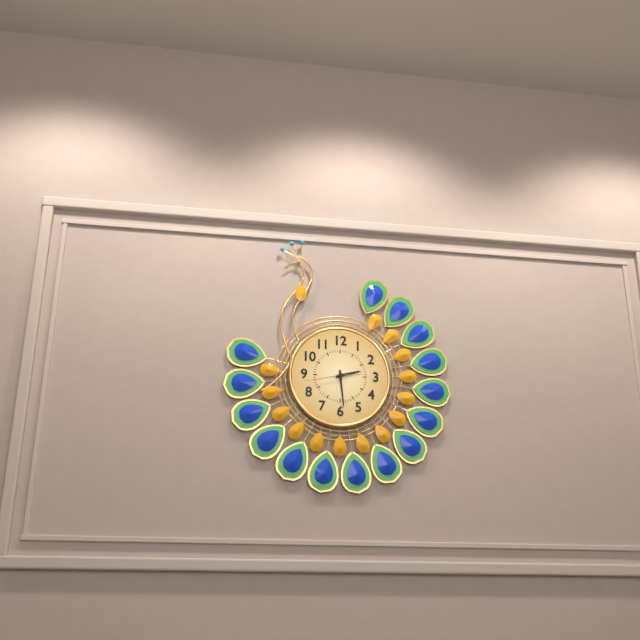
2 h 29 min
